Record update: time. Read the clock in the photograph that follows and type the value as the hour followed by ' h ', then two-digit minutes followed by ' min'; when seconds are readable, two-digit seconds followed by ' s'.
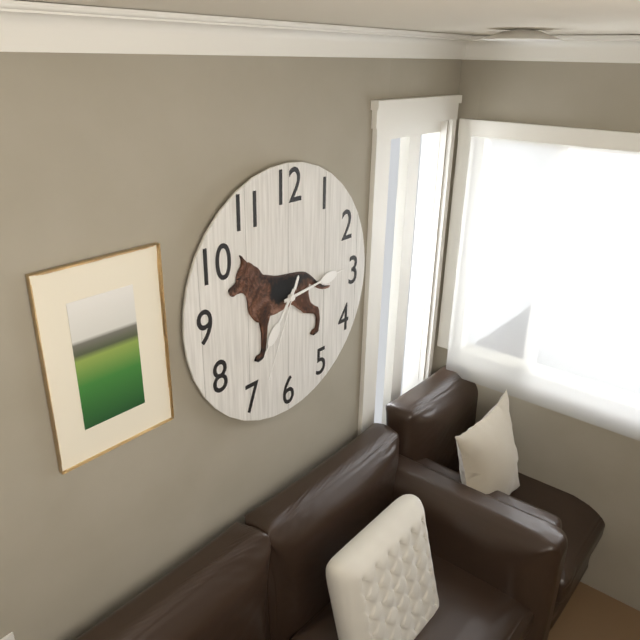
7 h 14 min 34 s
